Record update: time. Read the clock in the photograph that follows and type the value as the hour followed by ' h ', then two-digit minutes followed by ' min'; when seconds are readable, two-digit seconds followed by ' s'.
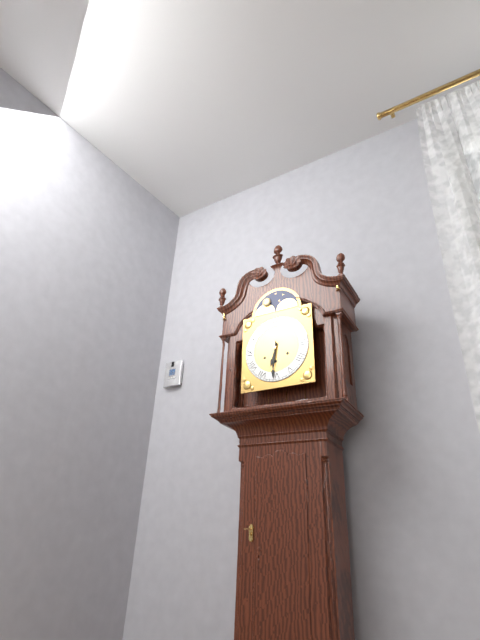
6 h 31 min
